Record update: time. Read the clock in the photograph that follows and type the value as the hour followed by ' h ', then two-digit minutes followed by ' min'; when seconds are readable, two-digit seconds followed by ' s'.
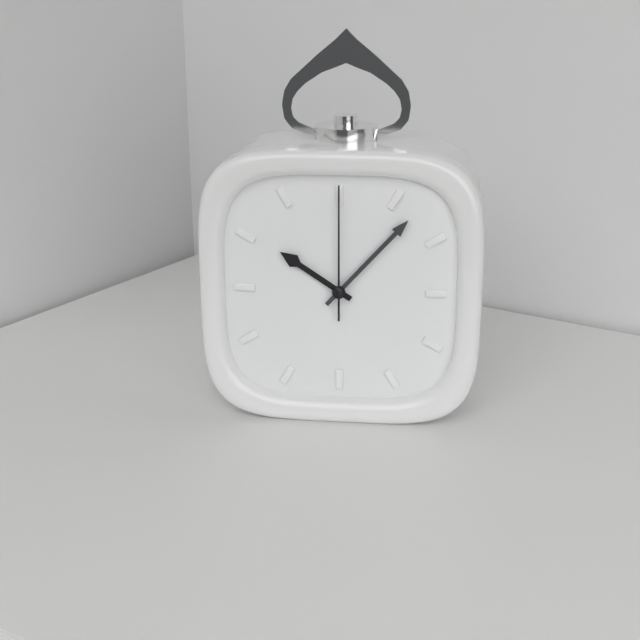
10 h 07 min 00 s
